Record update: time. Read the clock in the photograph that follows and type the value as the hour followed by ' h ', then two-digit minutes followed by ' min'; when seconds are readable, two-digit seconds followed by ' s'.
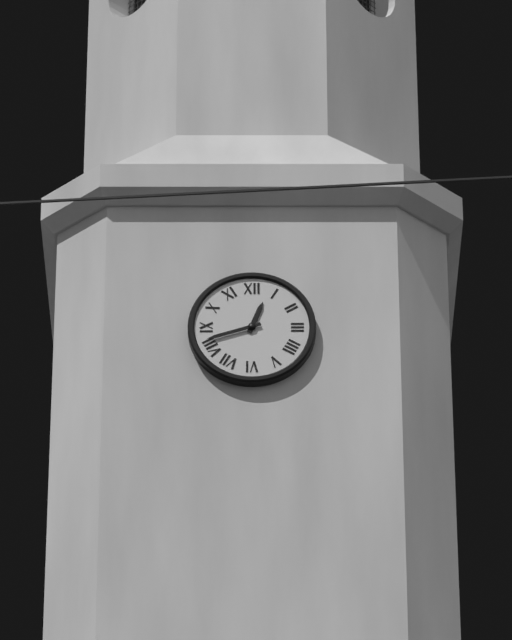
12 h 42 min
